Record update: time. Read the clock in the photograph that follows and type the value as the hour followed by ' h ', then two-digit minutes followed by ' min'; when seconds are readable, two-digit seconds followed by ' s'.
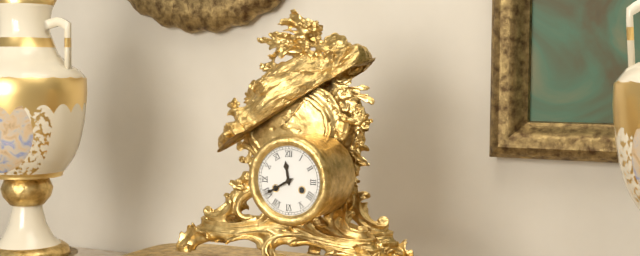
11 h 40 min
